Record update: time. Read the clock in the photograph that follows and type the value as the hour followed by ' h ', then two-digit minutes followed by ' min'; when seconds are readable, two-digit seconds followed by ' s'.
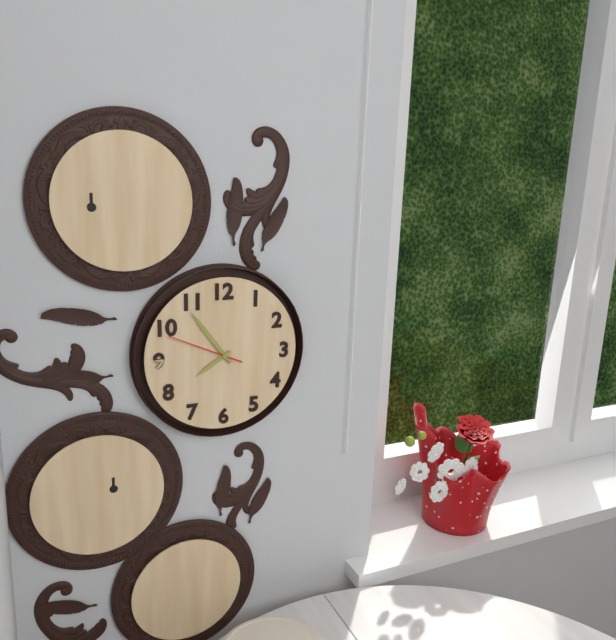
7 h 54 min 49 s
